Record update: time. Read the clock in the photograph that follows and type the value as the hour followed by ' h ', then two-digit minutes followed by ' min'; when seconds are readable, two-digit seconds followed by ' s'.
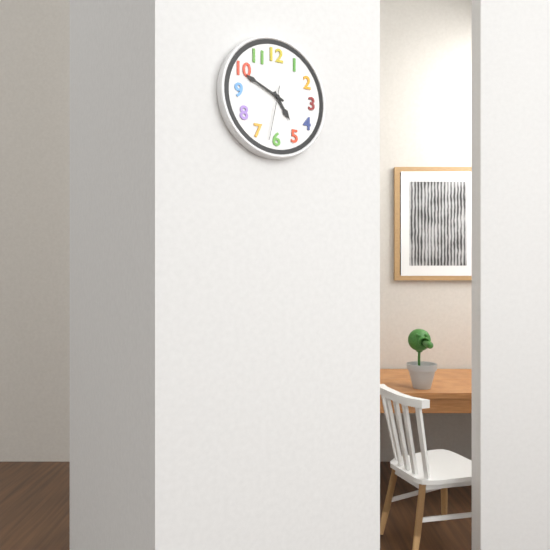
4 h 49 min 32 s
